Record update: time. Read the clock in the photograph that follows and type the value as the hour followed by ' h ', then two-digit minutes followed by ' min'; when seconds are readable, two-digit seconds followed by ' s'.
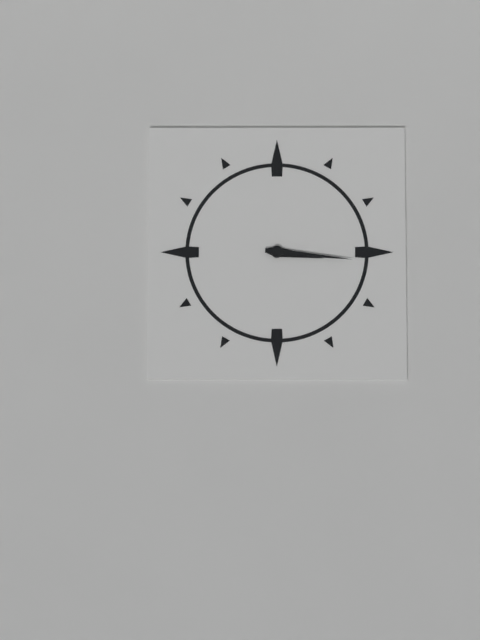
3 h 16 min
